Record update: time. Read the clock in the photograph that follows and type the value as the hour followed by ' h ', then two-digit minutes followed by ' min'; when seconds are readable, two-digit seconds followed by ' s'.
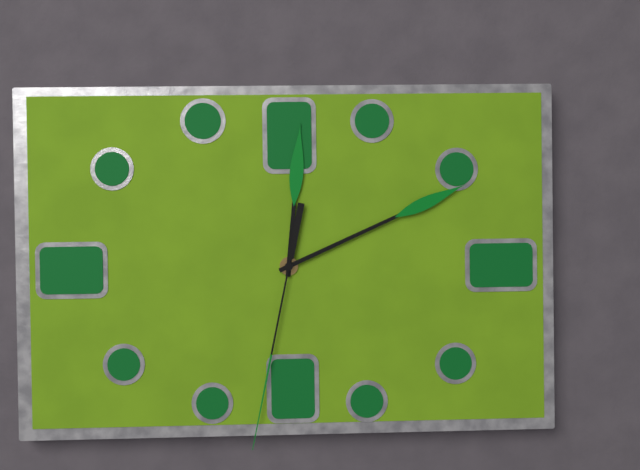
12 h 11 min 32 s
